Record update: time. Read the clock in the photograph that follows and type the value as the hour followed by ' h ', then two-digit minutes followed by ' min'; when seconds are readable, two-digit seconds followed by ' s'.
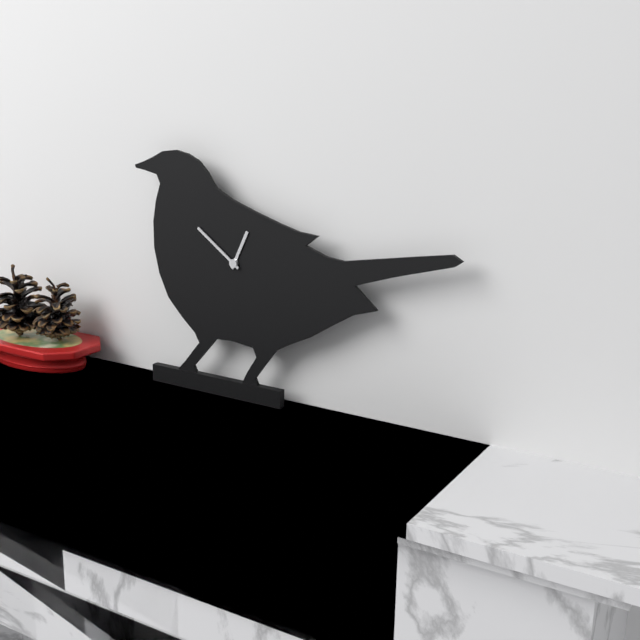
12 h 51 min
